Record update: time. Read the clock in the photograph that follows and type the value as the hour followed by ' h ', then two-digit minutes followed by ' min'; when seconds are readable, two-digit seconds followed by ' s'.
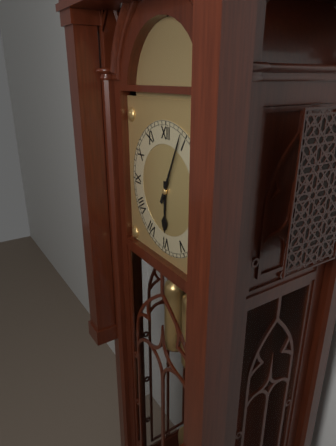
6 h 04 min
